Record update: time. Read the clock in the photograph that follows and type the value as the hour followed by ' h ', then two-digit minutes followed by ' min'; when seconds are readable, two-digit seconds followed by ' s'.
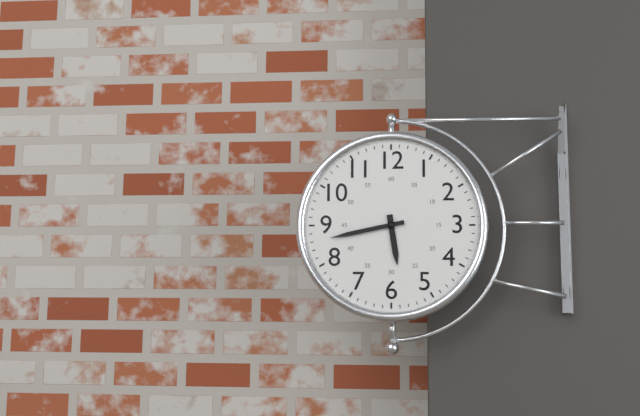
5 h 43 min
